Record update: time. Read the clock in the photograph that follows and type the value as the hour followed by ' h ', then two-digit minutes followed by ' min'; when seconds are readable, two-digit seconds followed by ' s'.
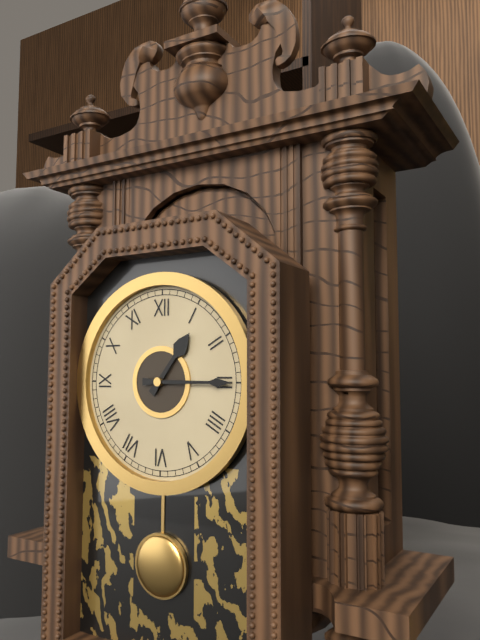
1 h 15 min
